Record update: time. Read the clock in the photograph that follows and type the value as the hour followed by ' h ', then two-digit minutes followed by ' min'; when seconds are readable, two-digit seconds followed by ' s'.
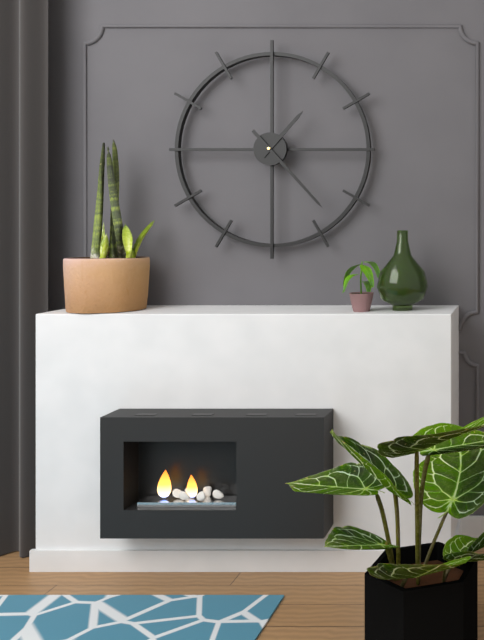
1 h 23 min
